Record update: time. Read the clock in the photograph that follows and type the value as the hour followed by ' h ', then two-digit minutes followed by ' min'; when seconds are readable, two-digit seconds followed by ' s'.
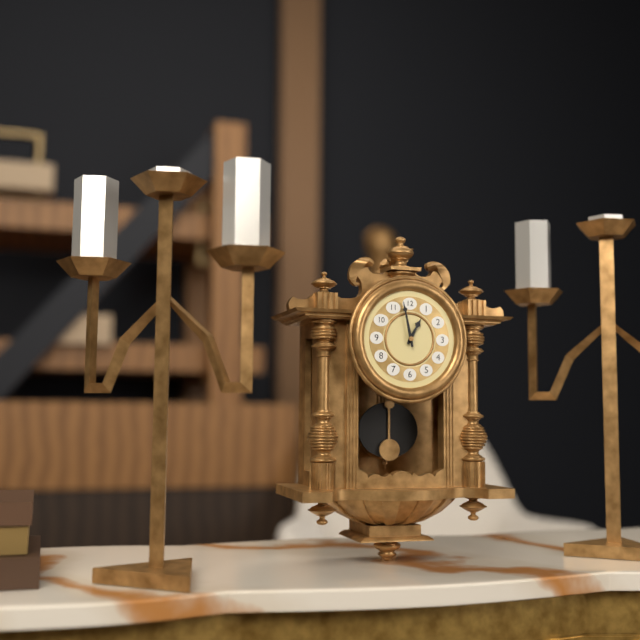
12 h 58 min
